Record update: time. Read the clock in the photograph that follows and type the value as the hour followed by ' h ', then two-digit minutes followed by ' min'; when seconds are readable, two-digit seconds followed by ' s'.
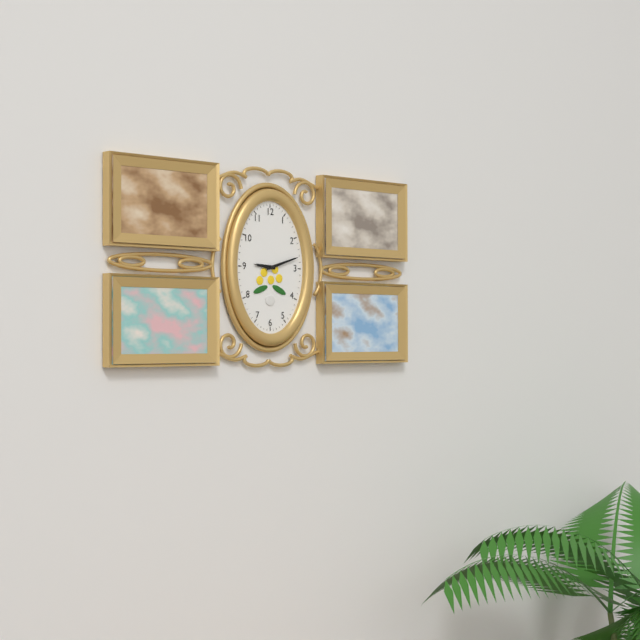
9 h 12 min
